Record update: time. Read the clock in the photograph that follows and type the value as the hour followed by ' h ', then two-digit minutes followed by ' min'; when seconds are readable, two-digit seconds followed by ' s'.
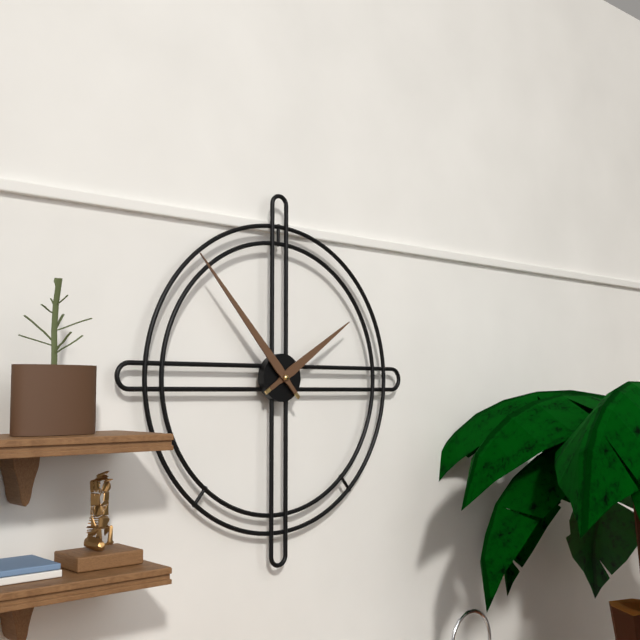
1 h 53 min
